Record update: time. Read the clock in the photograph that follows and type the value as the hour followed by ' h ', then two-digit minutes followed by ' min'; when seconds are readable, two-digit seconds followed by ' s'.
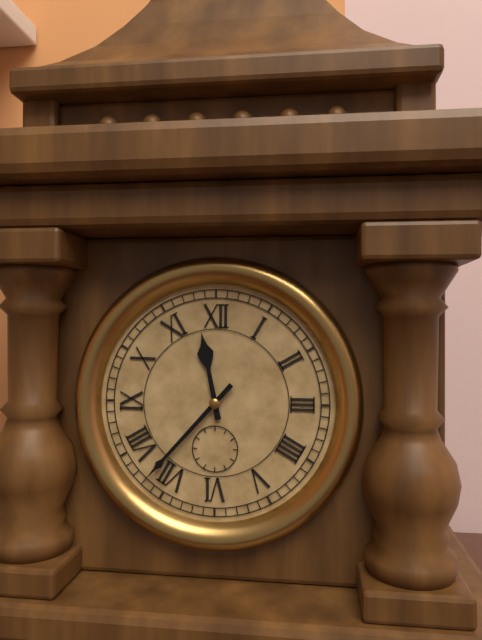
11 h 37 min
